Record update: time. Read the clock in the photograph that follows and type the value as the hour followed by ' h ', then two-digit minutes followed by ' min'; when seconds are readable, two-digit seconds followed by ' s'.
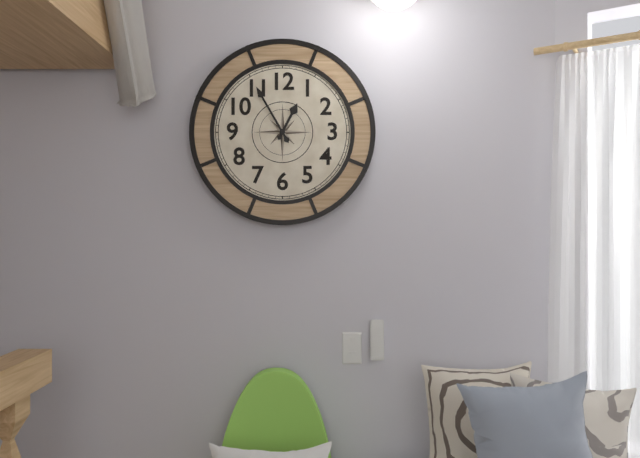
12 h 55 min
